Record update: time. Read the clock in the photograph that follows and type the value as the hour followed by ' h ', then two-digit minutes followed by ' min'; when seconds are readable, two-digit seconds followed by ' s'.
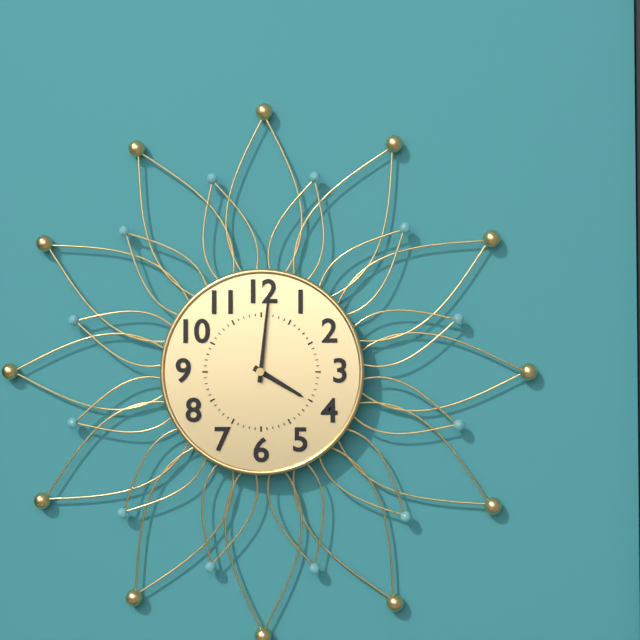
4 h 01 min
